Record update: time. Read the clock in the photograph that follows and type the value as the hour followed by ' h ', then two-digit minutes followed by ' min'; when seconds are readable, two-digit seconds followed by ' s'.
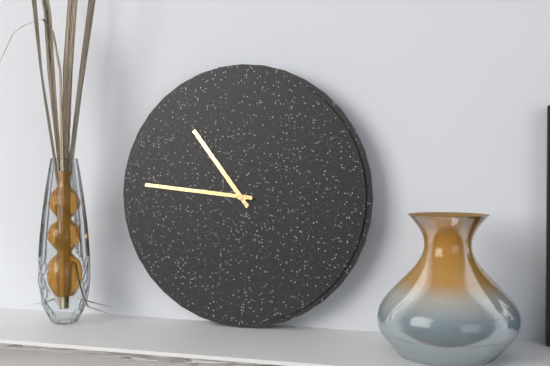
10 h 46 min
